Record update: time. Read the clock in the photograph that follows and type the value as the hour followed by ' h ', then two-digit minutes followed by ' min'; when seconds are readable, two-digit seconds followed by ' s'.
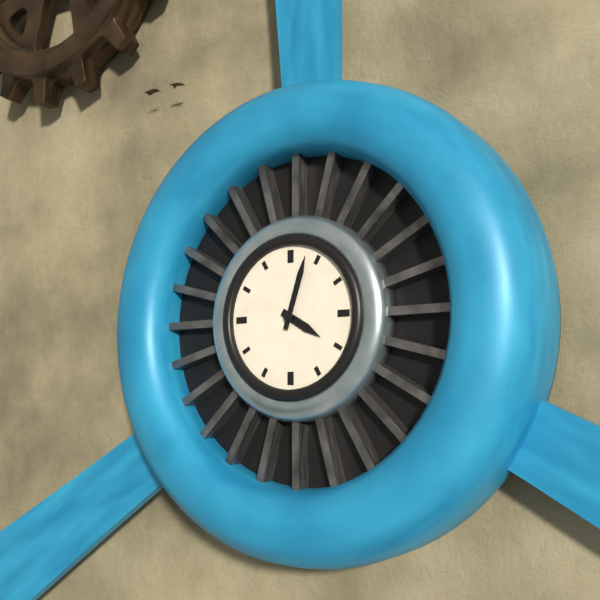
4 h 03 min
